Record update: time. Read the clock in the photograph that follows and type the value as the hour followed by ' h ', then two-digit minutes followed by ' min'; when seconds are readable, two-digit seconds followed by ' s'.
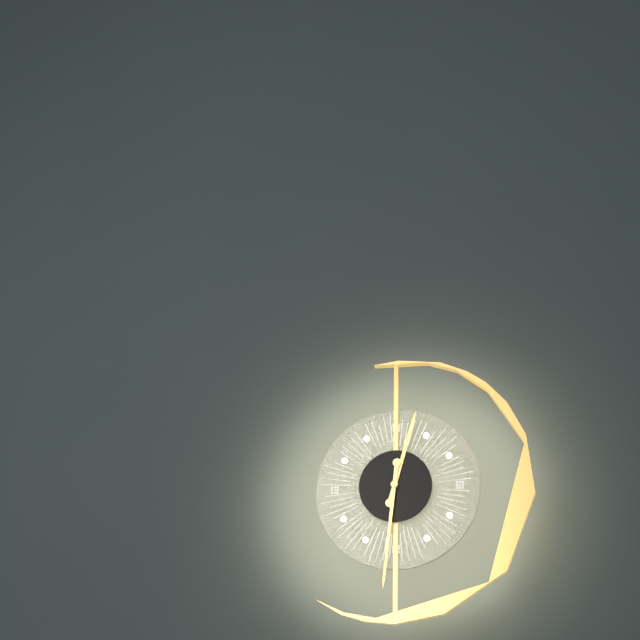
12 h 31 min
